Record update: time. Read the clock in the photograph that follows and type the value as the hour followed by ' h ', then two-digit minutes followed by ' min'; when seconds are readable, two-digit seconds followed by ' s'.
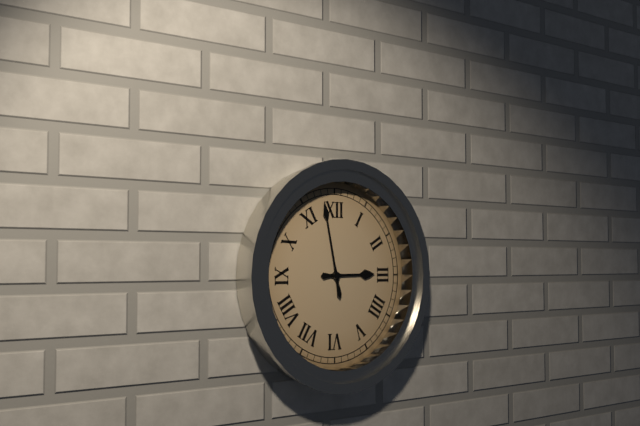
2 h 58 min
